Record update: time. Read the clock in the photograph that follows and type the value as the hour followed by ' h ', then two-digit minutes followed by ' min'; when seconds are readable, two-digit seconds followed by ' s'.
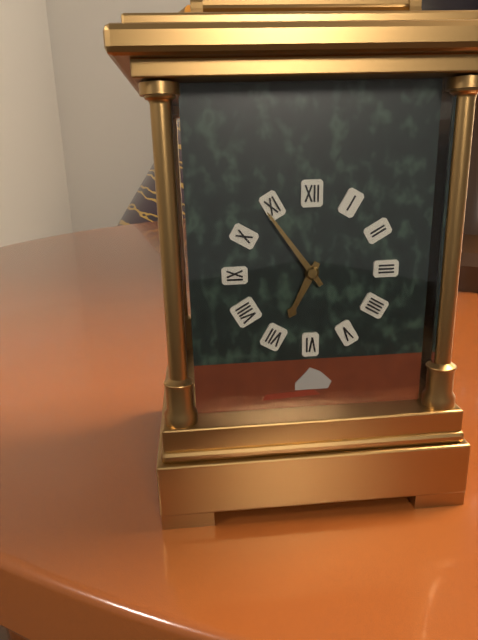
6 h 54 min
